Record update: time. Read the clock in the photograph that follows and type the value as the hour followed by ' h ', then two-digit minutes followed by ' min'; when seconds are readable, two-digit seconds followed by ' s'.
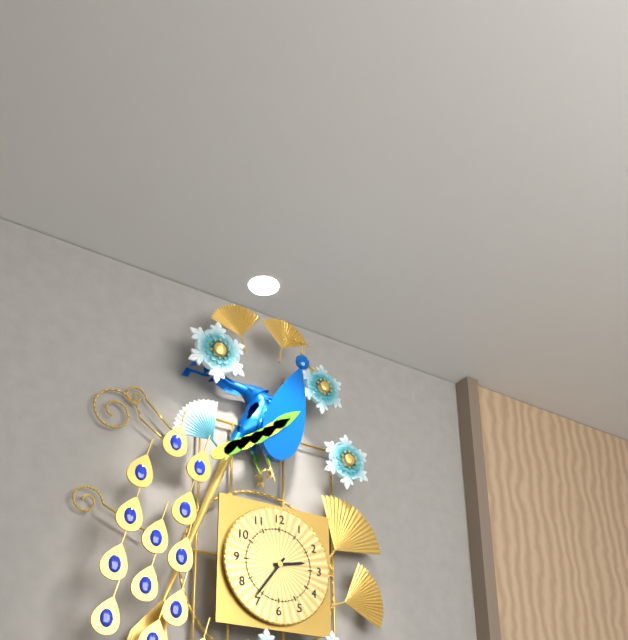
2 h 36 min
